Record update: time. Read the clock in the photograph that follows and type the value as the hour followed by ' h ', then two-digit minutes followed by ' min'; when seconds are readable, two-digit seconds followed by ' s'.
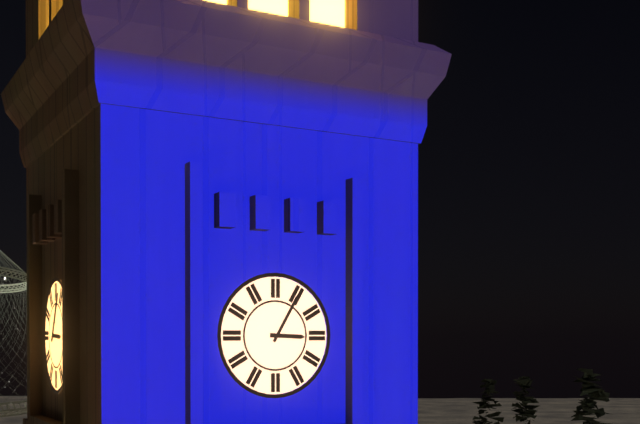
3 h 05 min
